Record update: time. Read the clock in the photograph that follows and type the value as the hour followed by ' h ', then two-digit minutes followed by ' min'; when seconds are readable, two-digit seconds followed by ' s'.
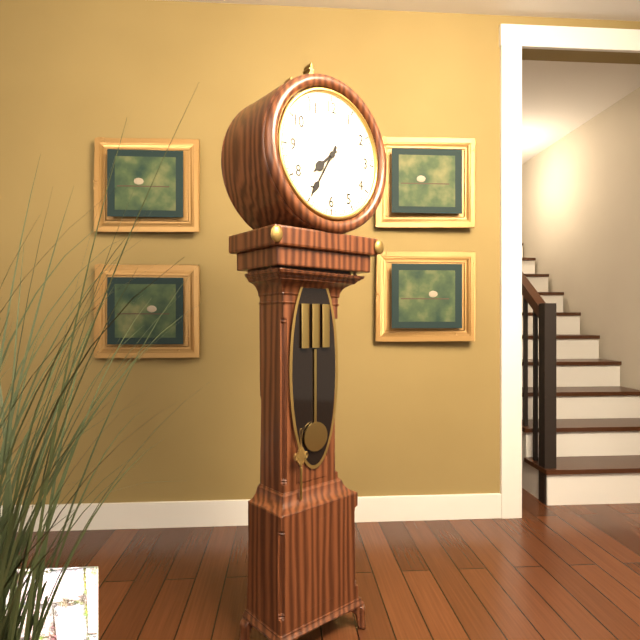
7 h 35 min
